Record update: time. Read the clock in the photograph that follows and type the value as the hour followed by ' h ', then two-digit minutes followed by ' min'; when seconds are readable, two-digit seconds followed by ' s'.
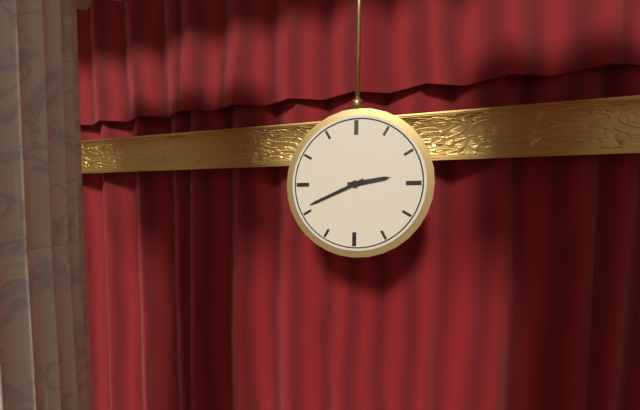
2 h 41 min
